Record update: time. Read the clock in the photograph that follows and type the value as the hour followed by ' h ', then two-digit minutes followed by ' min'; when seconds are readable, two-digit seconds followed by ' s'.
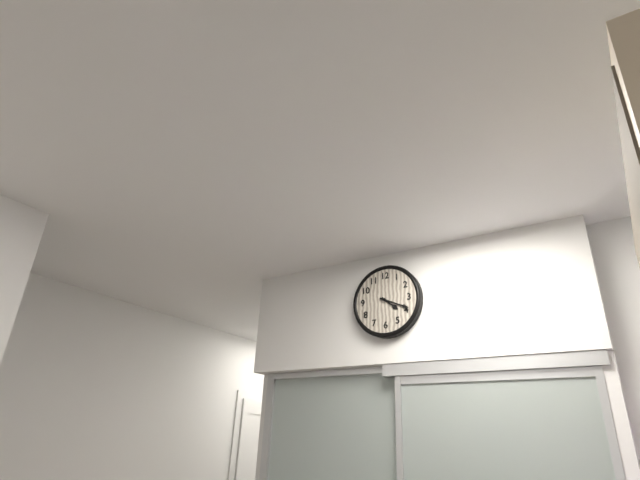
4 h 19 min
